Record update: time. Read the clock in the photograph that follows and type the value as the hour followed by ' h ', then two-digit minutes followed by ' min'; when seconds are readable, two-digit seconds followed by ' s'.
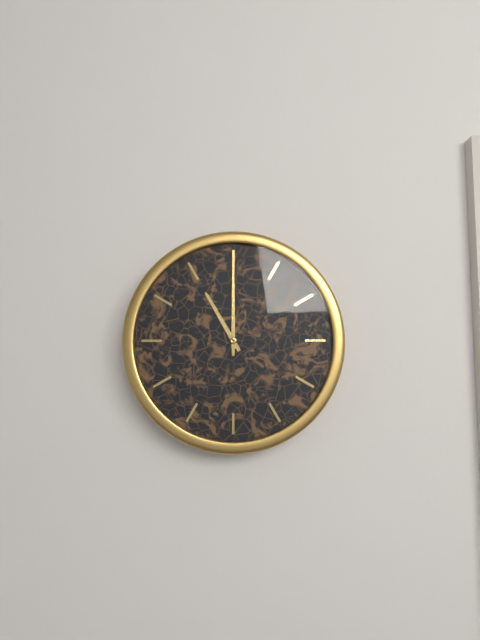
11 h 00 min
